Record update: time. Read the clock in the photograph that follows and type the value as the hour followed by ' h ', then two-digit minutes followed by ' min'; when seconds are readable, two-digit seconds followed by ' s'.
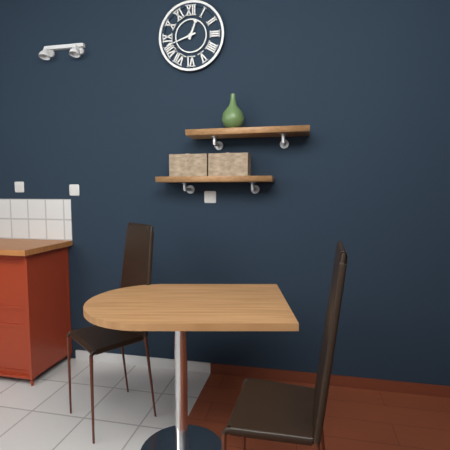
12 h 42 min
